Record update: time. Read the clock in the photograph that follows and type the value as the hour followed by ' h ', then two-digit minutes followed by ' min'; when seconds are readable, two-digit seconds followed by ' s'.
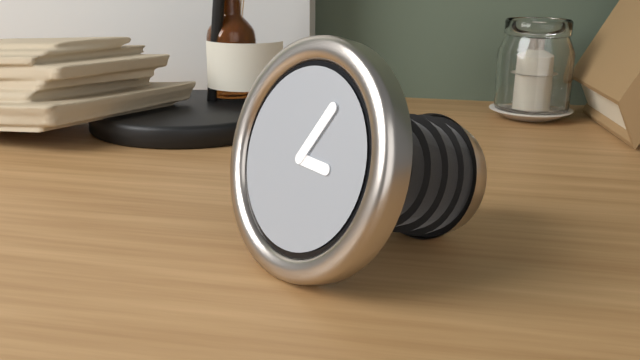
3 h 05 min
